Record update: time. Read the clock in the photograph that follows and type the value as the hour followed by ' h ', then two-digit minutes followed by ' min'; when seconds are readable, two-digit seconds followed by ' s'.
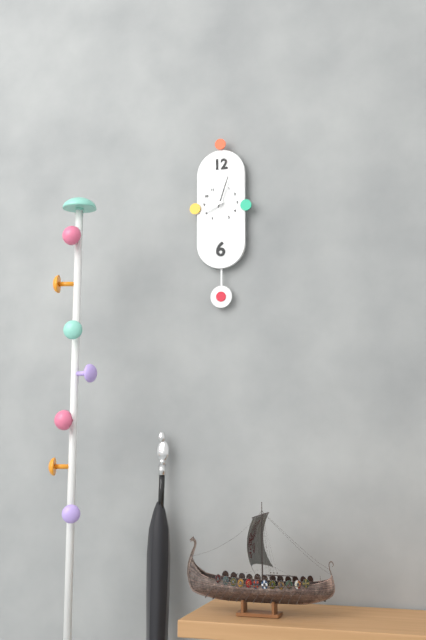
8 h 03 min
